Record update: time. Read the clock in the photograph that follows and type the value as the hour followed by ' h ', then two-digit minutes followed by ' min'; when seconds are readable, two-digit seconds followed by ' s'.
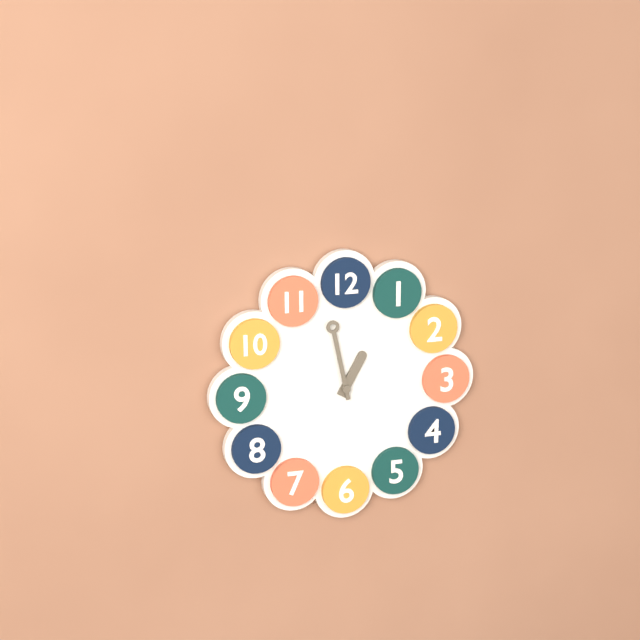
12 h 58 min
